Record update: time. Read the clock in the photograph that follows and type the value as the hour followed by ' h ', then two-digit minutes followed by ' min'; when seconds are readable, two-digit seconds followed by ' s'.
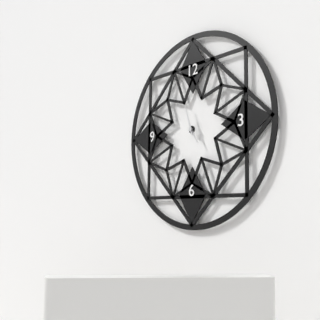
4 h 57 min
